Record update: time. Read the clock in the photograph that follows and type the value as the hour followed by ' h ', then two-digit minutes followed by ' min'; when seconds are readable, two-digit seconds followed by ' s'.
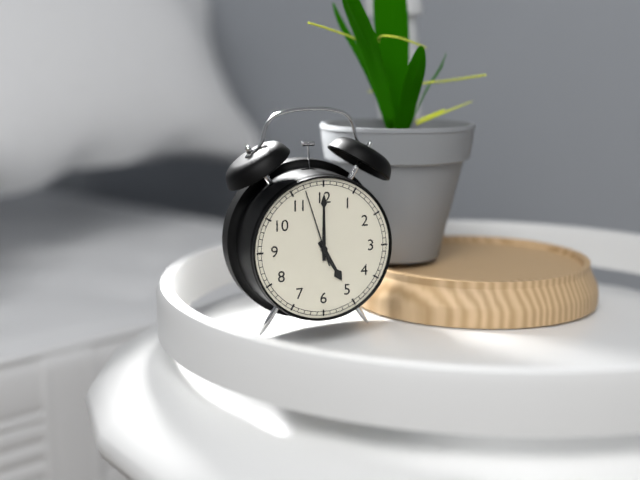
5 h 00 min 57 s
